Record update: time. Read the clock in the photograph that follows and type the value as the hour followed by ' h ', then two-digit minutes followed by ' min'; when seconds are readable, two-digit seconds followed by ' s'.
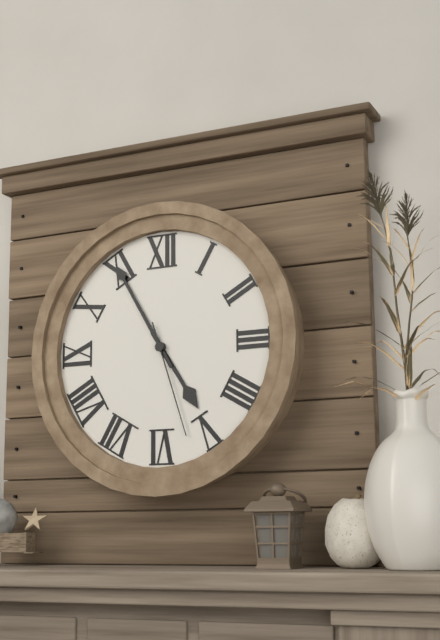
4 h 55 min 27 s
